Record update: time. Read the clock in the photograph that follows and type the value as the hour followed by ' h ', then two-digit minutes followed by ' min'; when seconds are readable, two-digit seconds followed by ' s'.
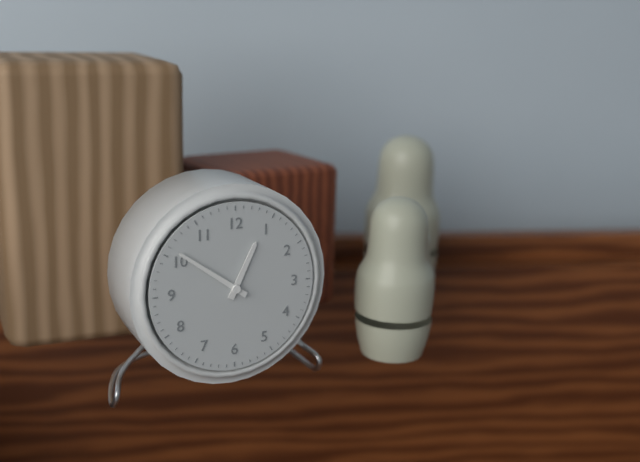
12 h 51 min
